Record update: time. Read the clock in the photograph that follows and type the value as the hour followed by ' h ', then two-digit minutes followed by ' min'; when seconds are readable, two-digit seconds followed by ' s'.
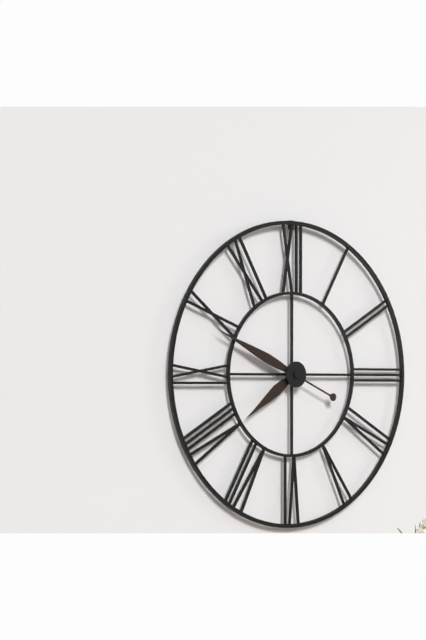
7 h 49 min
